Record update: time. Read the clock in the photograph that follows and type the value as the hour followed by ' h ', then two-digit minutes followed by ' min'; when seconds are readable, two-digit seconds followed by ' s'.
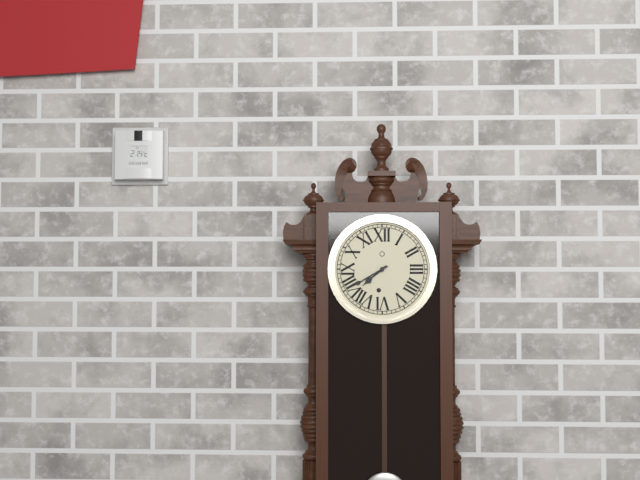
7 h 40 min
